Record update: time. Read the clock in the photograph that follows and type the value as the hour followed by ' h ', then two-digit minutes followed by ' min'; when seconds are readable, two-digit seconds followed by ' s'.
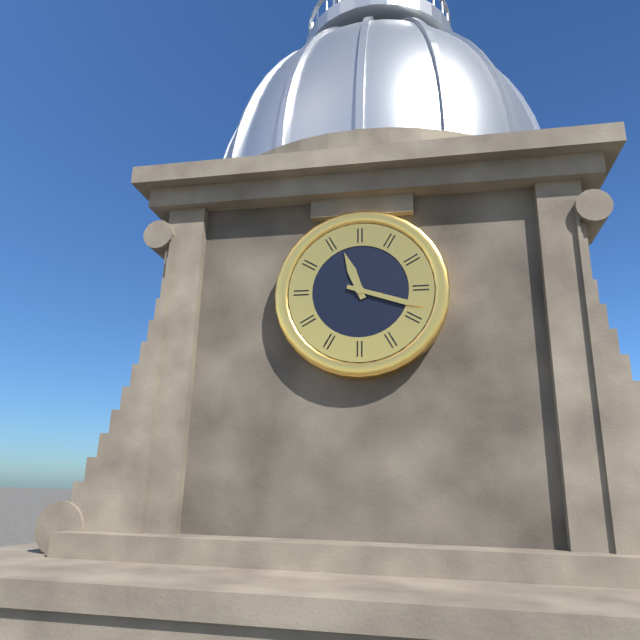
11 h 18 min
